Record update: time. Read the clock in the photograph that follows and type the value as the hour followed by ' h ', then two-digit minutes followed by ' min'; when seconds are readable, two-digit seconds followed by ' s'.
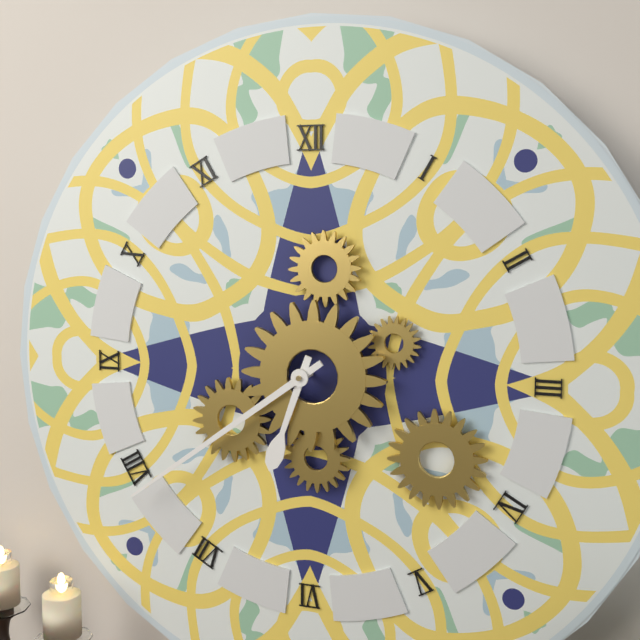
6 h 39 min
